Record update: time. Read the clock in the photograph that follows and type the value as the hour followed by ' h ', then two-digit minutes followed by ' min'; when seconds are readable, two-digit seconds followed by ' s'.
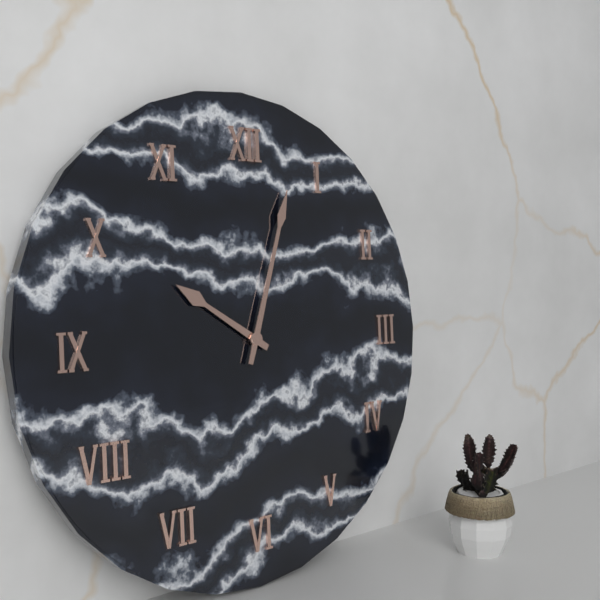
10 h 03 min
